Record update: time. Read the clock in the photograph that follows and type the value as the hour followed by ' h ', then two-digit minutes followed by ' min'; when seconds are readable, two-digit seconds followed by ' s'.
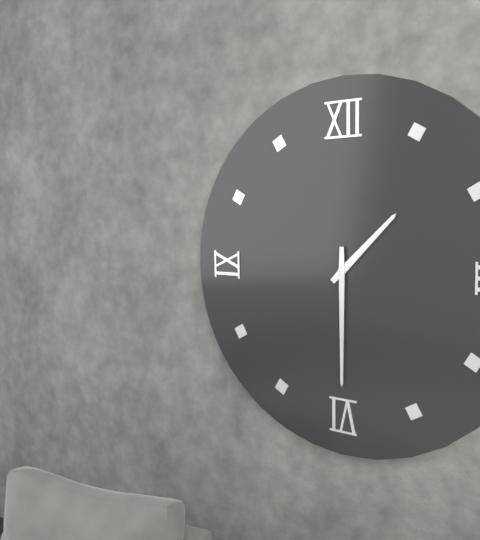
1 h 30 min
